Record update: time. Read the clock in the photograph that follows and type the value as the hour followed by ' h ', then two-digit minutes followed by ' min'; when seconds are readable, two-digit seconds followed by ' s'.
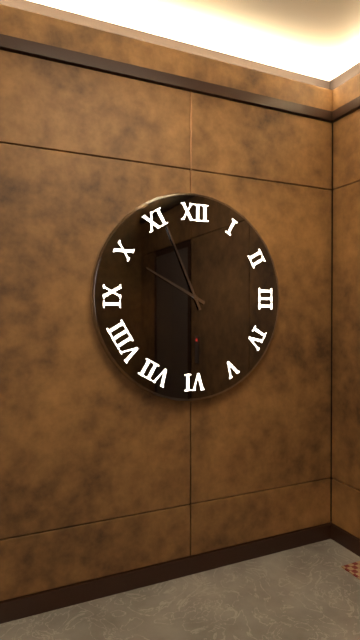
9 h 56 min
